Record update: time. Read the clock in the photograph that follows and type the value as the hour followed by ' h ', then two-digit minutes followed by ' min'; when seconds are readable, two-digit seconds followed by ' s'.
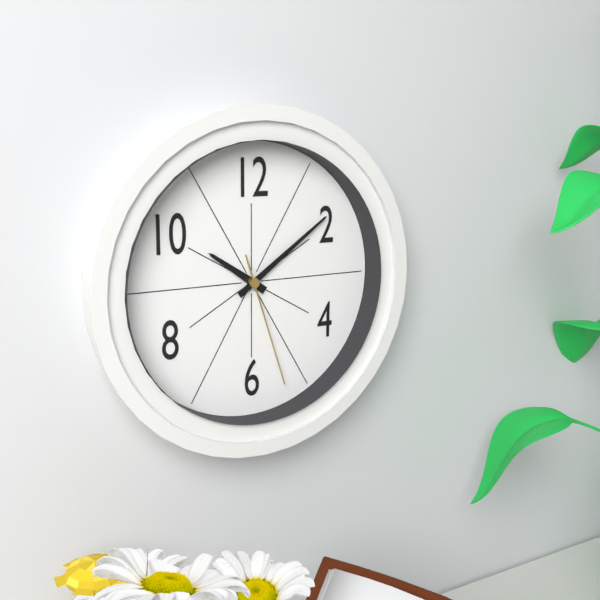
10 h 09 min 27 s
